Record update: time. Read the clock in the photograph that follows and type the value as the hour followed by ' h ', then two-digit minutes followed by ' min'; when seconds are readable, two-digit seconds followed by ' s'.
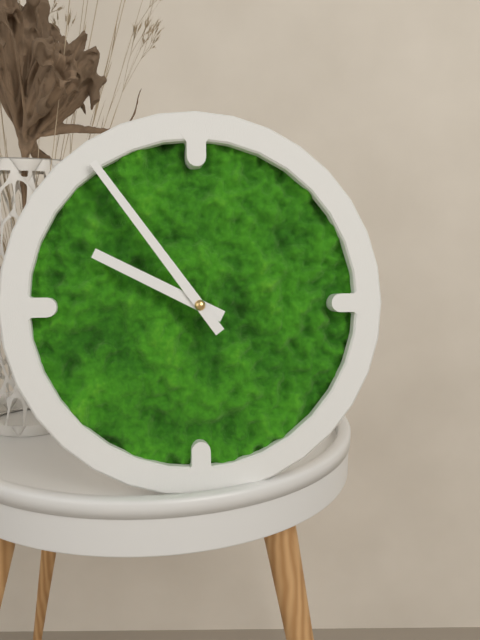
9 h 54 min
